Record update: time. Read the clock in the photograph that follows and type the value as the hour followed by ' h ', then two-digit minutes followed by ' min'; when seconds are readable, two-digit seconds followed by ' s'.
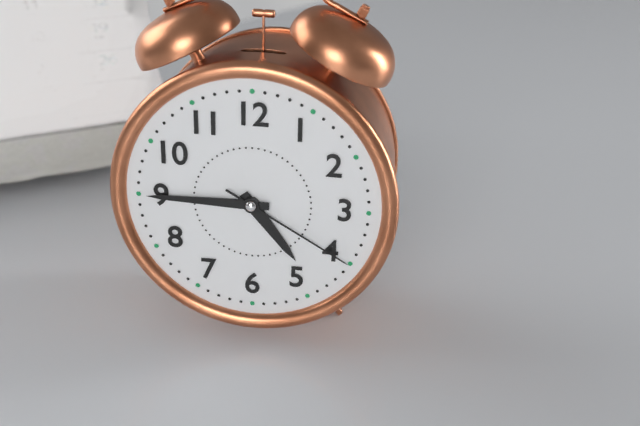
4 h 45 min 20 s
